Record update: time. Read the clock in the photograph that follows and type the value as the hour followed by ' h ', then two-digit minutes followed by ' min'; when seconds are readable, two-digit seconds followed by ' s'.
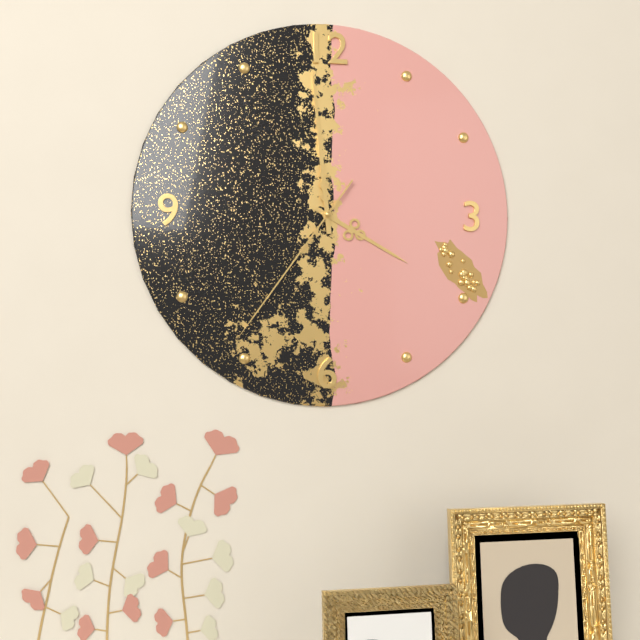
3 h 59 min 36 s
